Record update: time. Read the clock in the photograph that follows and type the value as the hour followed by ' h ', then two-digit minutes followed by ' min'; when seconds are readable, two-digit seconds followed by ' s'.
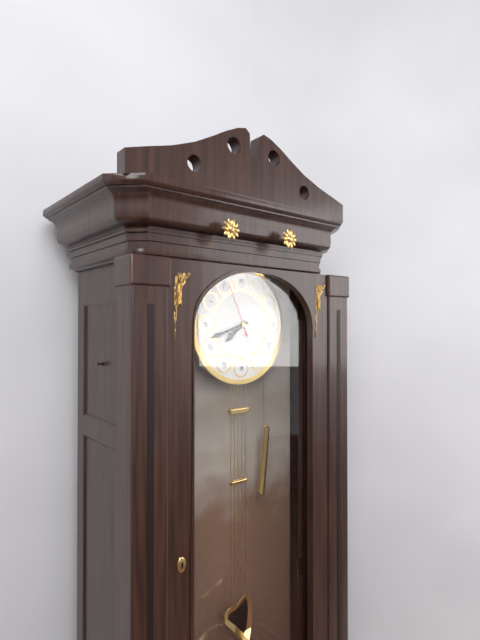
7 h 42 min 56 s
